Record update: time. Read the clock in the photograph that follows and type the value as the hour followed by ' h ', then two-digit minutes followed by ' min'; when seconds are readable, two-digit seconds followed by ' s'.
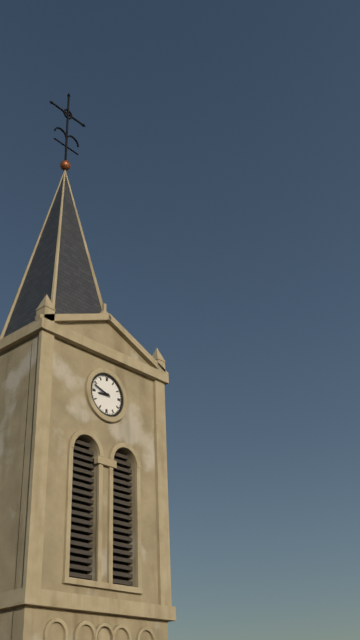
8 h 48 min
